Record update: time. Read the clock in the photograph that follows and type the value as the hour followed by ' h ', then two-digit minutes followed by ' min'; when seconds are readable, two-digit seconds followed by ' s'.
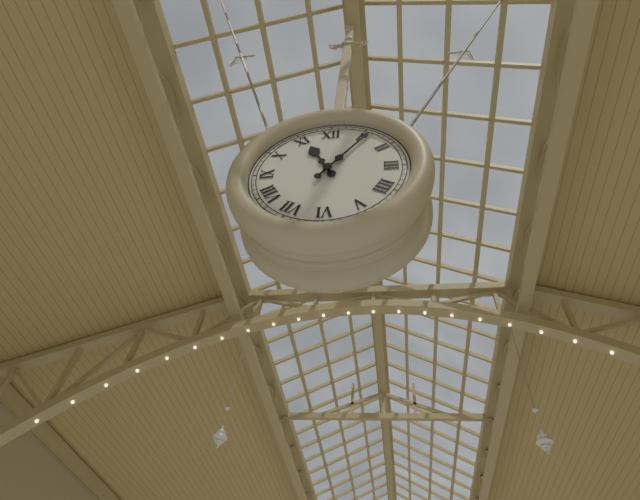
11 h 06 min
